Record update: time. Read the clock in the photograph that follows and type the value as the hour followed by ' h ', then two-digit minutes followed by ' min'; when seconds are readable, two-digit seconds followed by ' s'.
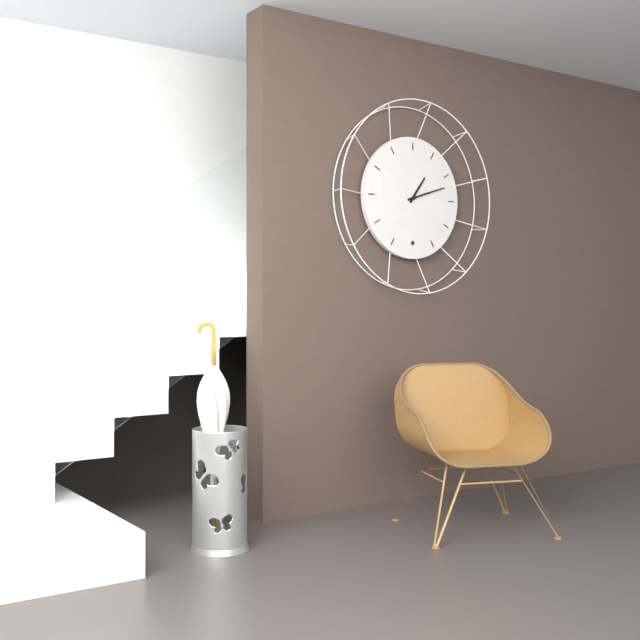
1 h 12 min
